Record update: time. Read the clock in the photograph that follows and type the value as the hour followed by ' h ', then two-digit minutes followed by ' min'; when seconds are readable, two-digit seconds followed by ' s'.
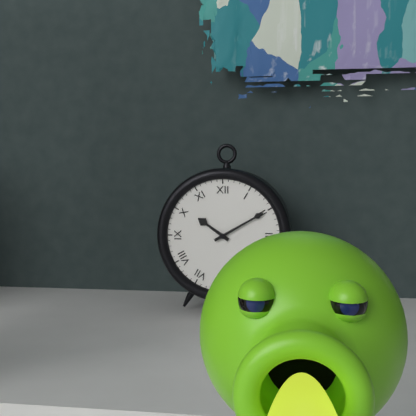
10 h 10 min
